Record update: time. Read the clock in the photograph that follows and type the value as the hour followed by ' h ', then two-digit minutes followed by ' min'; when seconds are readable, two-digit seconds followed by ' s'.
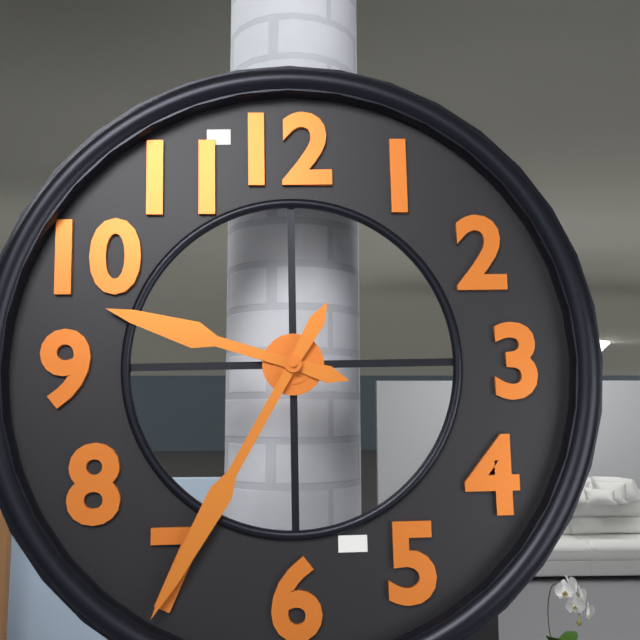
9 h 35 min
